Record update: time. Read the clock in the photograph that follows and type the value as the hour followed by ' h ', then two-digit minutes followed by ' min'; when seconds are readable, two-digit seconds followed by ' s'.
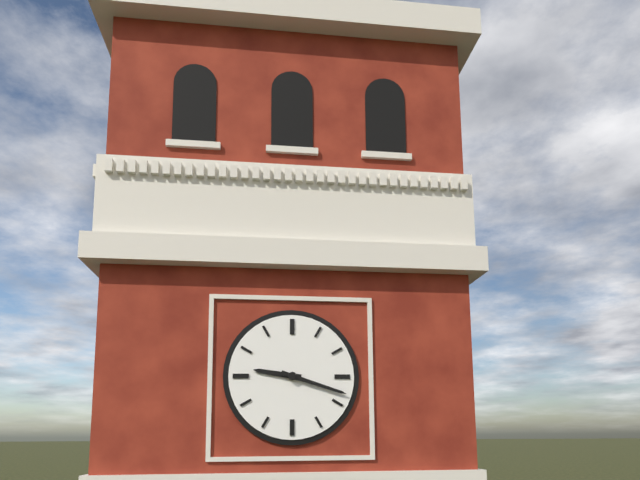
9 h 18 min
